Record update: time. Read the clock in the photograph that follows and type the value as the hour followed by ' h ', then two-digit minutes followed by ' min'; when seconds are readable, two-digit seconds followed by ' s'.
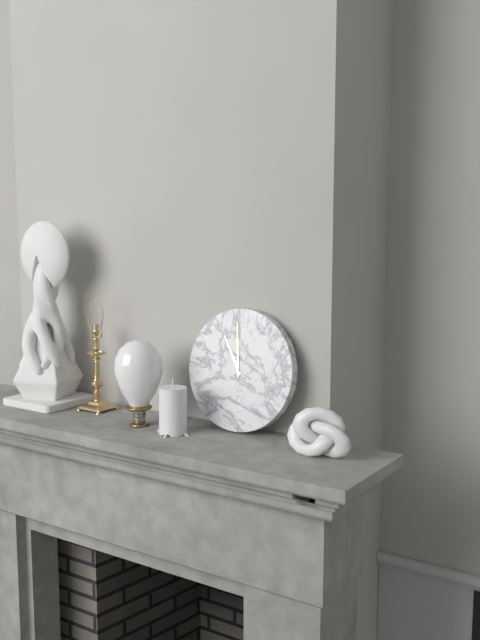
10 h 59 min
